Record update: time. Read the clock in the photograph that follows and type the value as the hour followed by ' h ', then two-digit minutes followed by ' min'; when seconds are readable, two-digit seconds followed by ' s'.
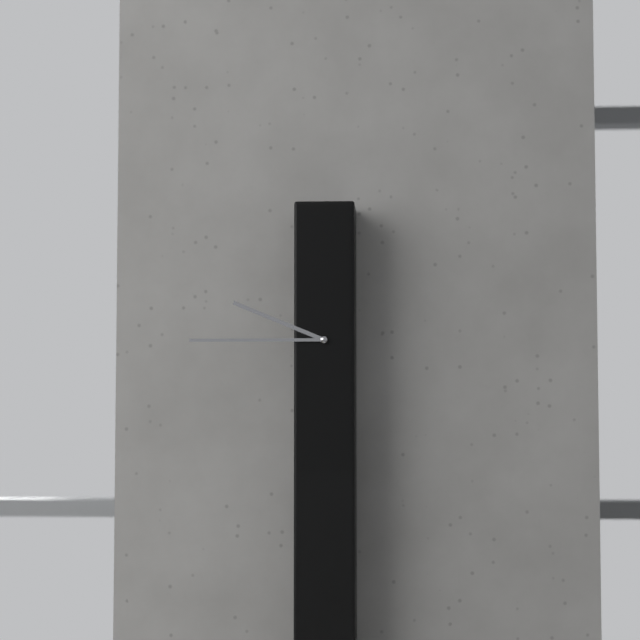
9 h 45 min
